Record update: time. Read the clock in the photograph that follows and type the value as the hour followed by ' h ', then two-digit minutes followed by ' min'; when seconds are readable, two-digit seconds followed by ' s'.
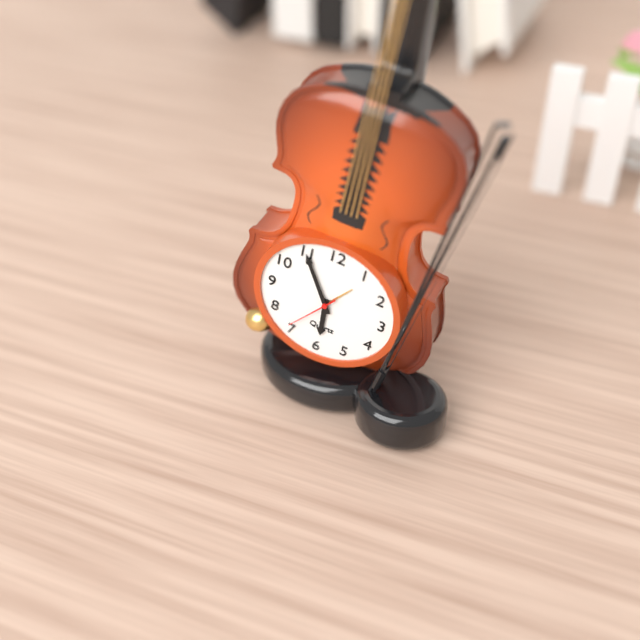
5 h 55 min 36 s
